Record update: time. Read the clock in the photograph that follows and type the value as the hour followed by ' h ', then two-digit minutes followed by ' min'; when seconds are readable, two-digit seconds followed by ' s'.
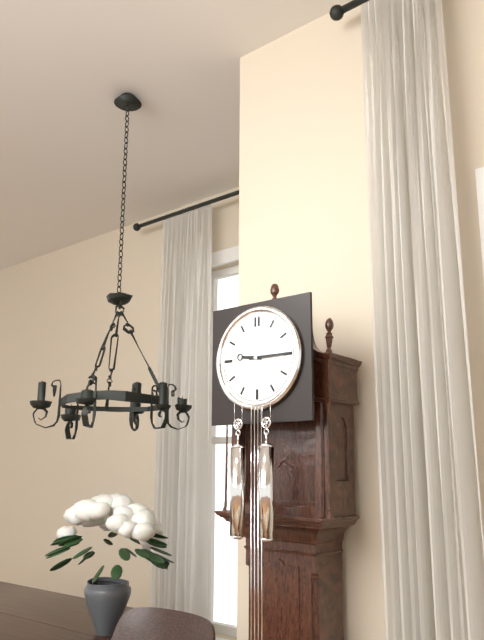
9 h 15 min
